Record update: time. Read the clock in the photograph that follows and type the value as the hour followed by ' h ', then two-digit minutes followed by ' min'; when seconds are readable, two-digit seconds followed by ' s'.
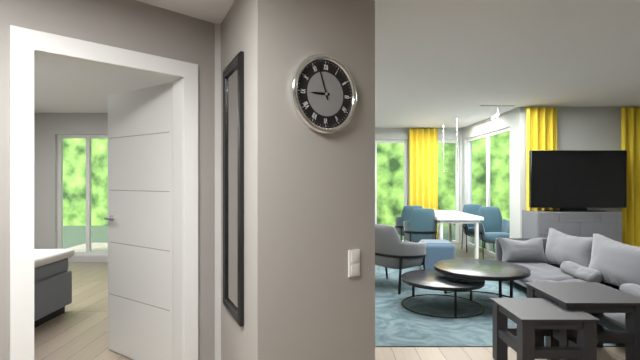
8 h 57 min
